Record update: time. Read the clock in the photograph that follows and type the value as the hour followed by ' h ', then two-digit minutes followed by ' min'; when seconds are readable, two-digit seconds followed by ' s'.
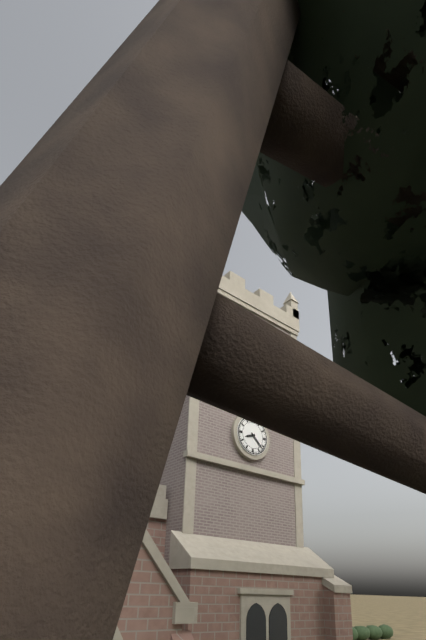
8 h 22 min
